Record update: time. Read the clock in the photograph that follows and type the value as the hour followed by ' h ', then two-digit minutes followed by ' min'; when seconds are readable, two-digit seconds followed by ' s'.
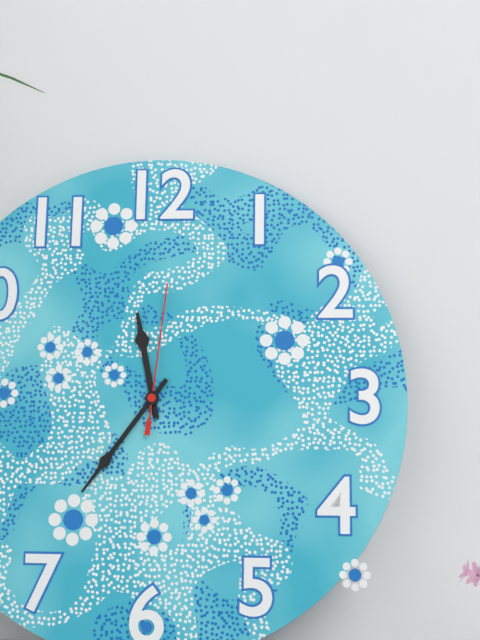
11 h 36 min 01 s
